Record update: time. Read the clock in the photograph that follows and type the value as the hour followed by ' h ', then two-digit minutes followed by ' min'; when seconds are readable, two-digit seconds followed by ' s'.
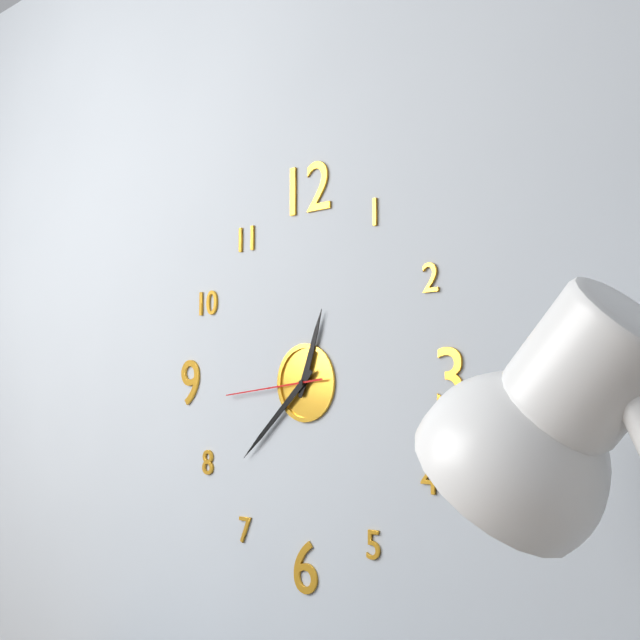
12 h 38 min 44 s
